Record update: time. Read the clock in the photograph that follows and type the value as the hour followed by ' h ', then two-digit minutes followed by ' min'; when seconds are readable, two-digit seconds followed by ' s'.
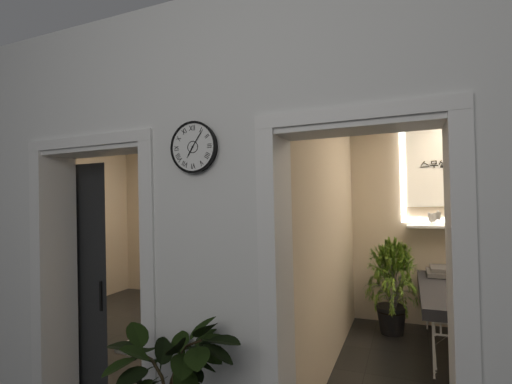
7 h 06 min
